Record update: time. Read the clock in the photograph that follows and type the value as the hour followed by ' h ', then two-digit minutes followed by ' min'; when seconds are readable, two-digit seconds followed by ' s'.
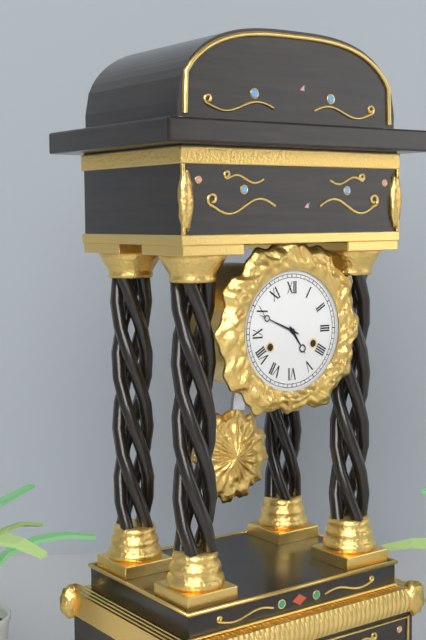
4 h 49 min
